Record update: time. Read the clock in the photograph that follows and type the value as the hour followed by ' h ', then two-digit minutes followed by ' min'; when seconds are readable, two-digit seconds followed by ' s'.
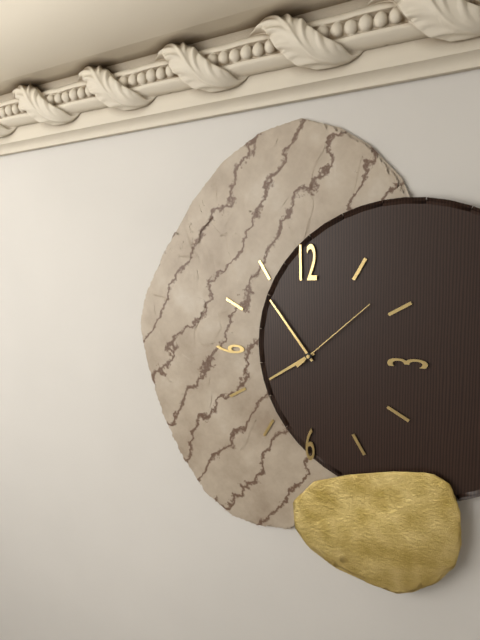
7 h 54 min 08 s
